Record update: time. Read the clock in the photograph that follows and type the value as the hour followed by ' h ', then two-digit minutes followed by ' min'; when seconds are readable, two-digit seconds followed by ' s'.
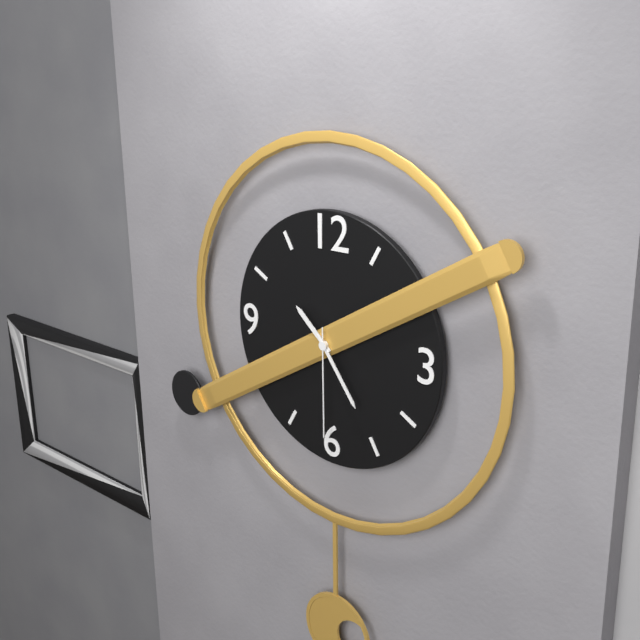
10 h 24 min 30 s
